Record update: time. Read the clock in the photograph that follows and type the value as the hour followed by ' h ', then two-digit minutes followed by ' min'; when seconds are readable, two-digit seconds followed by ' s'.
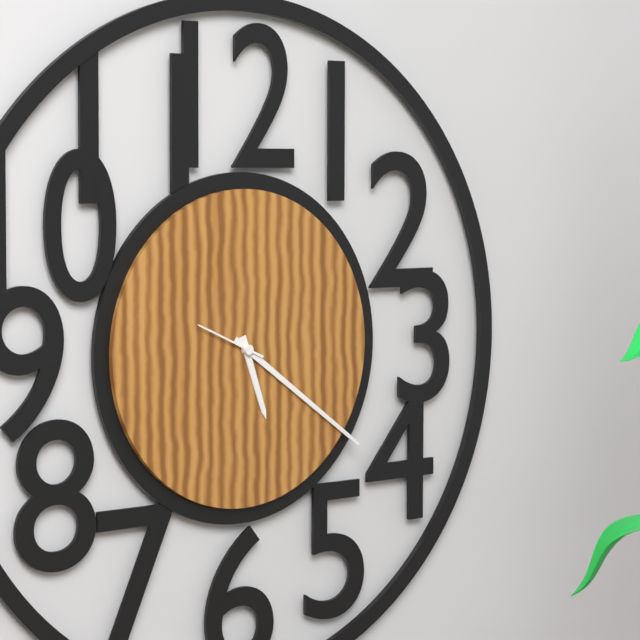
5 h 21 min 49 s
